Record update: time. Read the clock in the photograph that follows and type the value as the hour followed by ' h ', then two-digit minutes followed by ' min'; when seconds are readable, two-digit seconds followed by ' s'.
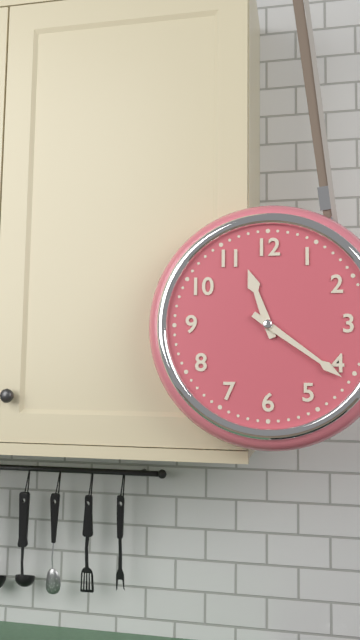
11 h 21 min
